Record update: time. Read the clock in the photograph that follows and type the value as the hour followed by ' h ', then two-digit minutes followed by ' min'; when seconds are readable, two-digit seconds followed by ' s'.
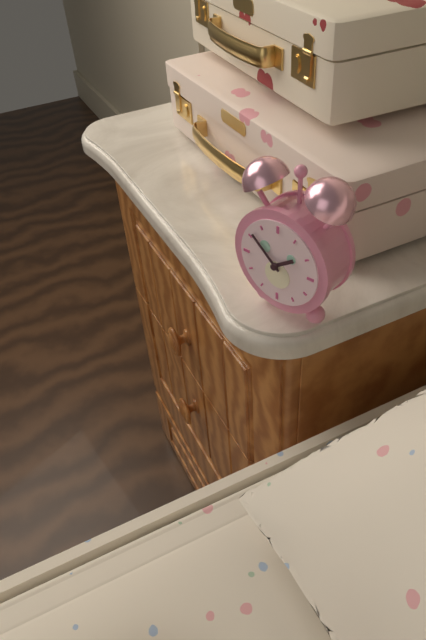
1 h 52 min
